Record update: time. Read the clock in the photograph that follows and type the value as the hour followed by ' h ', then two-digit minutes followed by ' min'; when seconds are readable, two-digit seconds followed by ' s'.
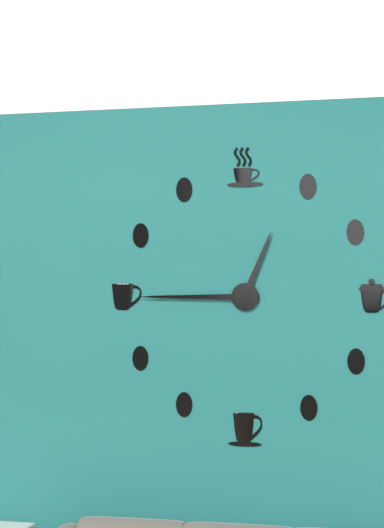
12 h 45 min
